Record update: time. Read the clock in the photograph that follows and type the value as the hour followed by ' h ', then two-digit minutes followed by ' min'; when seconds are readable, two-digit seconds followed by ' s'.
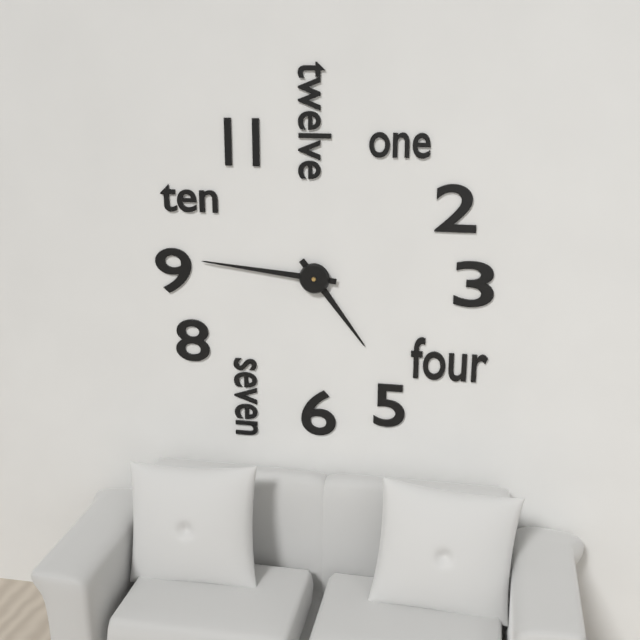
4 h 46 min
